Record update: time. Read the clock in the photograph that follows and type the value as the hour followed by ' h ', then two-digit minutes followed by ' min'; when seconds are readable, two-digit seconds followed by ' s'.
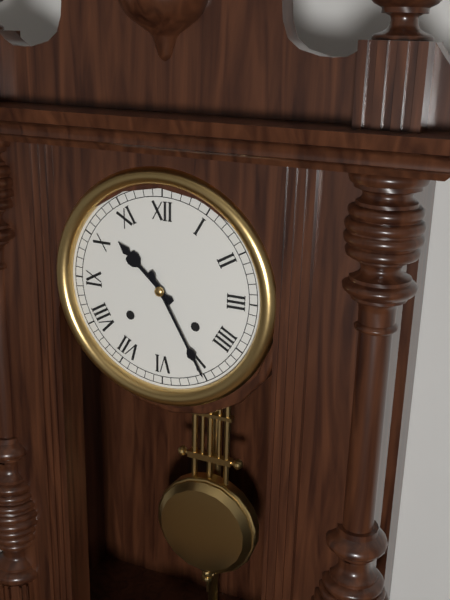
10 h 25 min
